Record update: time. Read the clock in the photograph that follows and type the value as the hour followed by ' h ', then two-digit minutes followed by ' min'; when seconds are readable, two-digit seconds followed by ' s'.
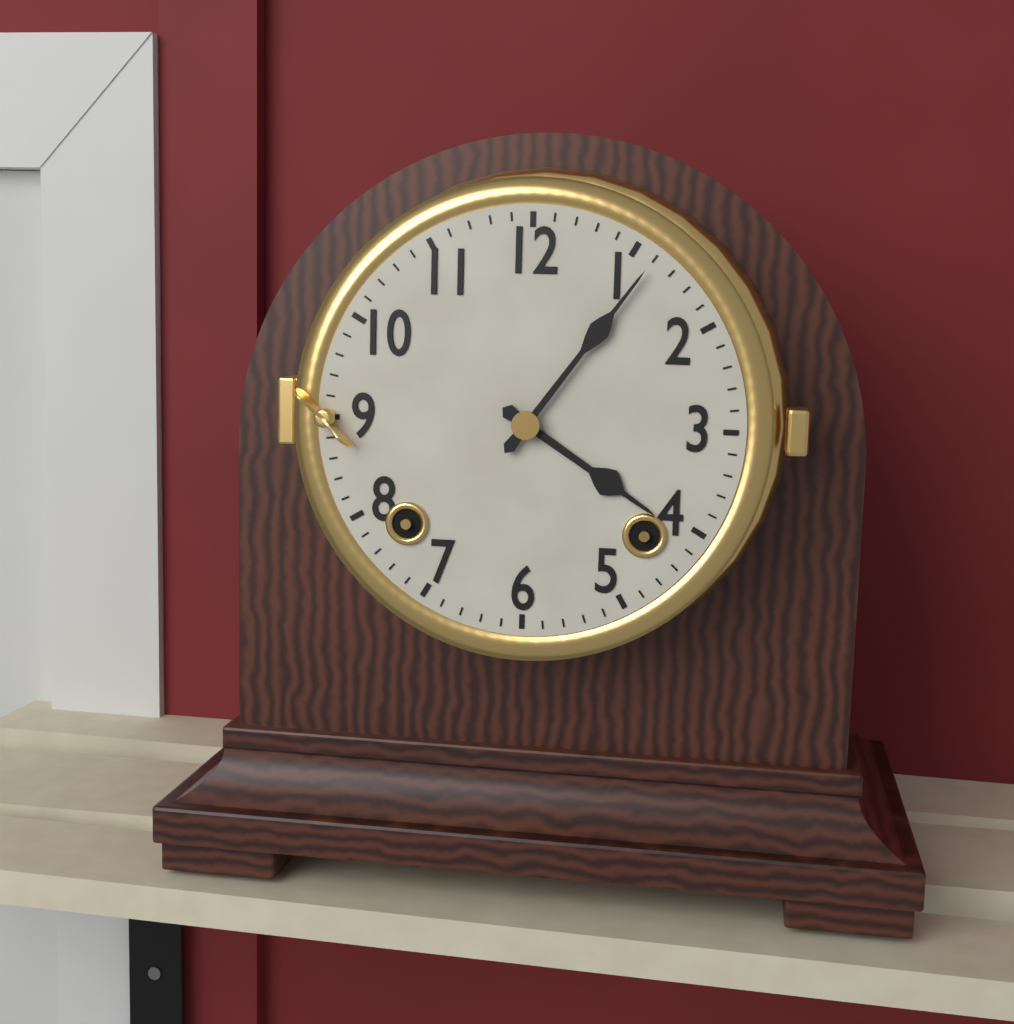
4 h 06 min
